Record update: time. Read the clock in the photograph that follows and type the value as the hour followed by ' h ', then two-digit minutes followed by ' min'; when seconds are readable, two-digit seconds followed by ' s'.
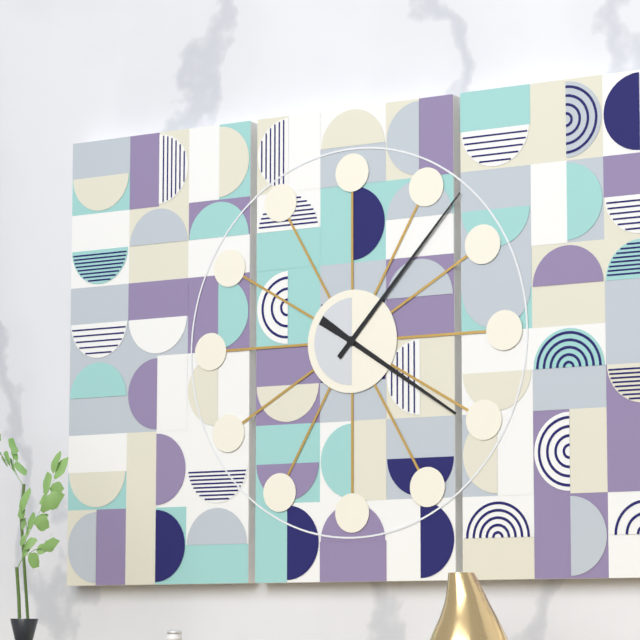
4 h 07 min
